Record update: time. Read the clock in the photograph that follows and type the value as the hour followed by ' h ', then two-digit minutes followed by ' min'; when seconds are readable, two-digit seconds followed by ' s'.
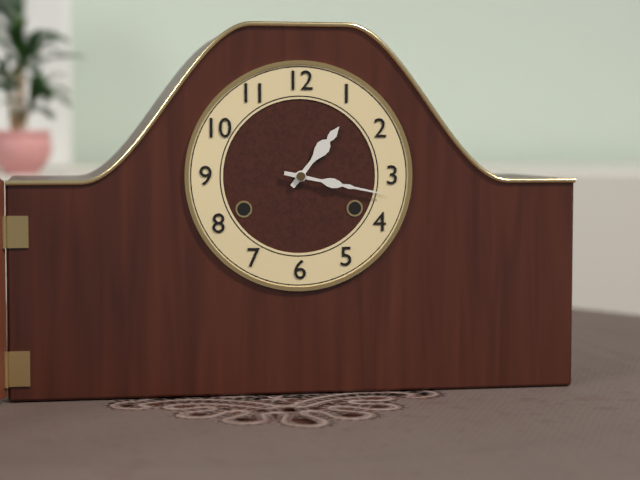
1 h 17 min
